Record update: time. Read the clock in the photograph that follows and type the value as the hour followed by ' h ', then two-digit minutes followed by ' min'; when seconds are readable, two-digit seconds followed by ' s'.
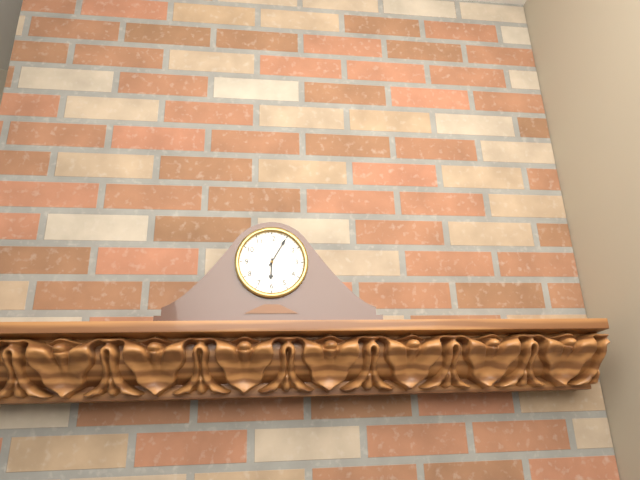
6 h 05 min
